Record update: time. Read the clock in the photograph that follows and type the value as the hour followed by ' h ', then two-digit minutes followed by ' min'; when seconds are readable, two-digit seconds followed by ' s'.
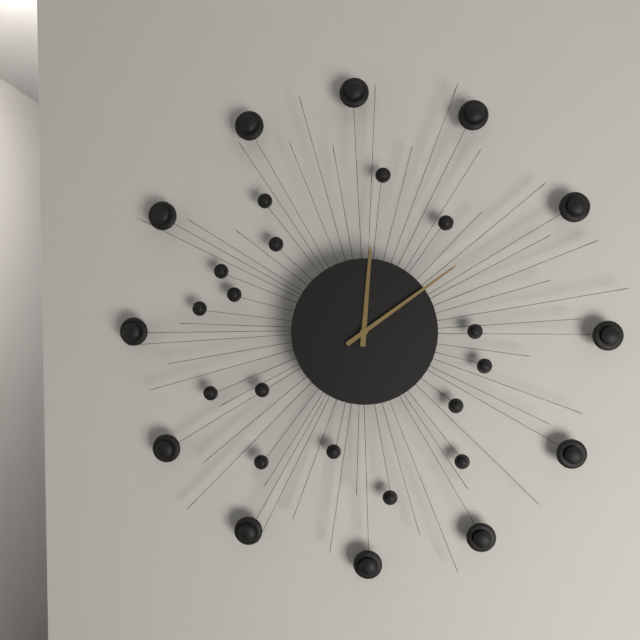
12 h 09 min
